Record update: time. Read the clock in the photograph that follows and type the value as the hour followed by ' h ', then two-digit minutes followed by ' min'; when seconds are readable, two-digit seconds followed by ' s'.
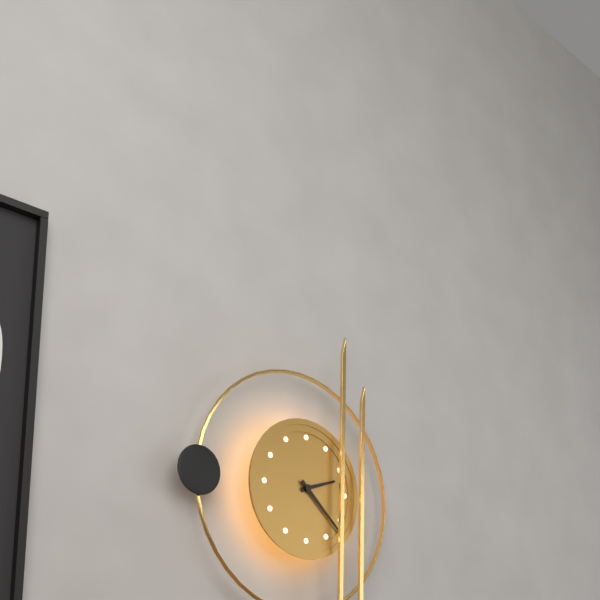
2 h 22 min
